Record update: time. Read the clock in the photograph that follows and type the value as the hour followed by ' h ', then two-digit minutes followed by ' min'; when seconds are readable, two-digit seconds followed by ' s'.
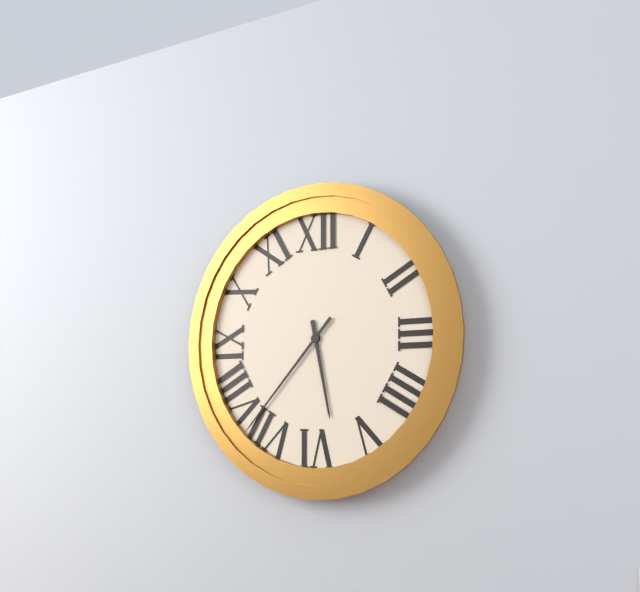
5 h 37 min
